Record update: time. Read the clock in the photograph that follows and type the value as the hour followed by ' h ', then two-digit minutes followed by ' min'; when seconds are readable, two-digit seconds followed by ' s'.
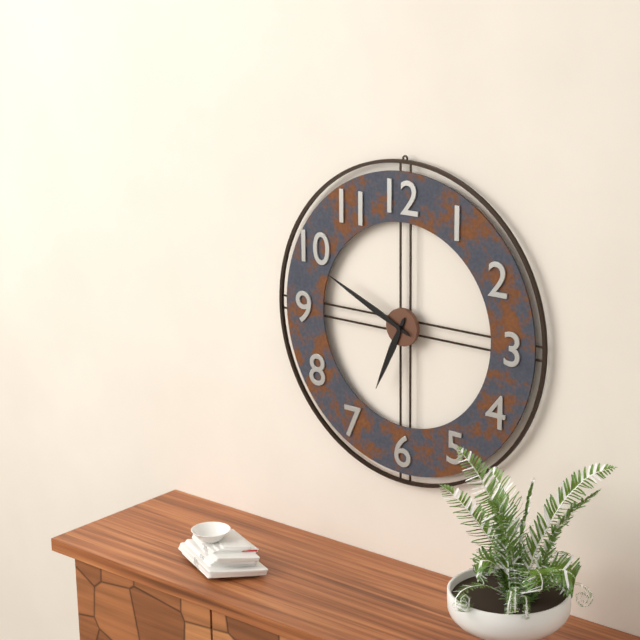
6 h 49 min
